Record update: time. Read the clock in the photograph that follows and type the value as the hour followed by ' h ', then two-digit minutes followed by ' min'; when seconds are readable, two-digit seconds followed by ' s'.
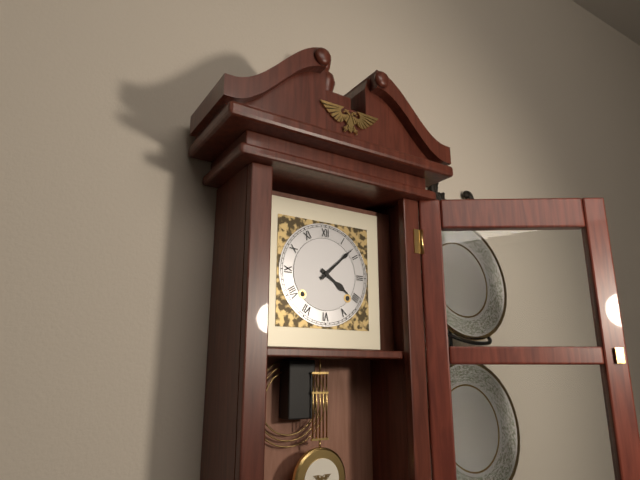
4 h 08 min
